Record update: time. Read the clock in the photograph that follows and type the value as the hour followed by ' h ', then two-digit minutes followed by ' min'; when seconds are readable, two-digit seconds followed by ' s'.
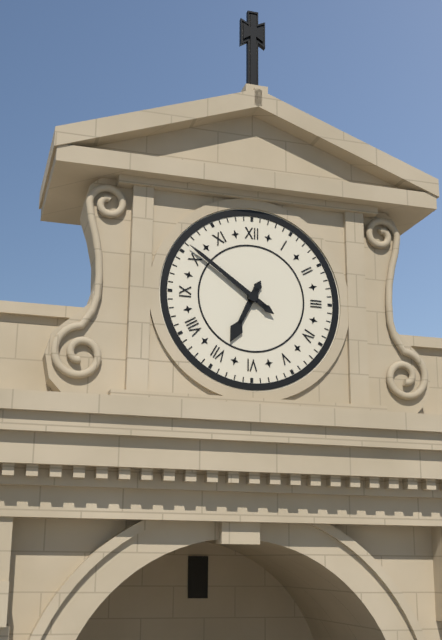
6 h 51 min
